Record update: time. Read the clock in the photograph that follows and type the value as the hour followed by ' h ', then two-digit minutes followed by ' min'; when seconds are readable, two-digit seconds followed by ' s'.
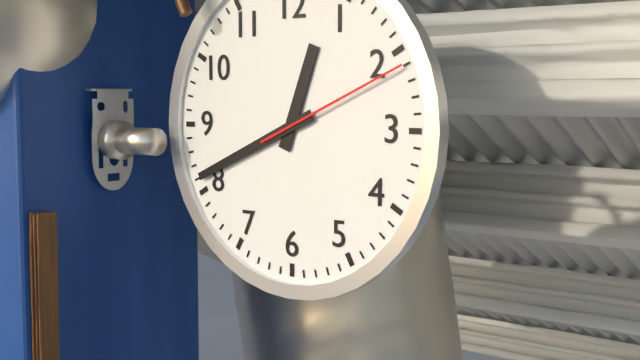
12 h 41 min 11 s
